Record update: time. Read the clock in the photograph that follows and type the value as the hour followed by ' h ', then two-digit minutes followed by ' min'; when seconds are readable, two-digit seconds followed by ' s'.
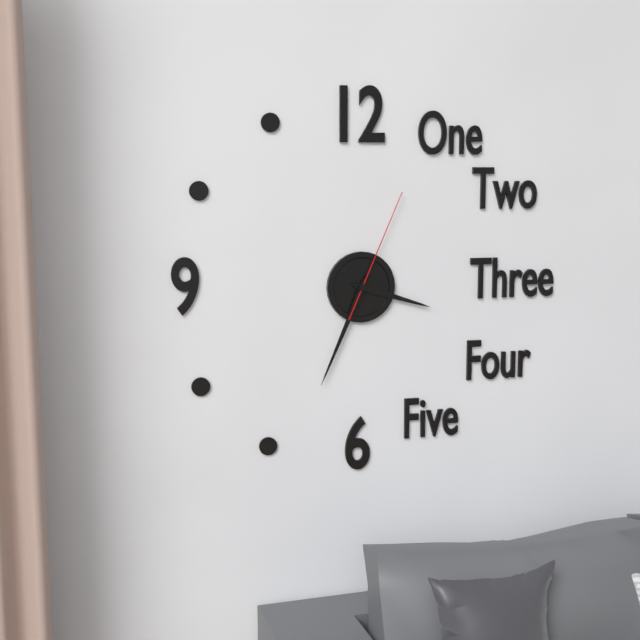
3 h 34 min 04 s
